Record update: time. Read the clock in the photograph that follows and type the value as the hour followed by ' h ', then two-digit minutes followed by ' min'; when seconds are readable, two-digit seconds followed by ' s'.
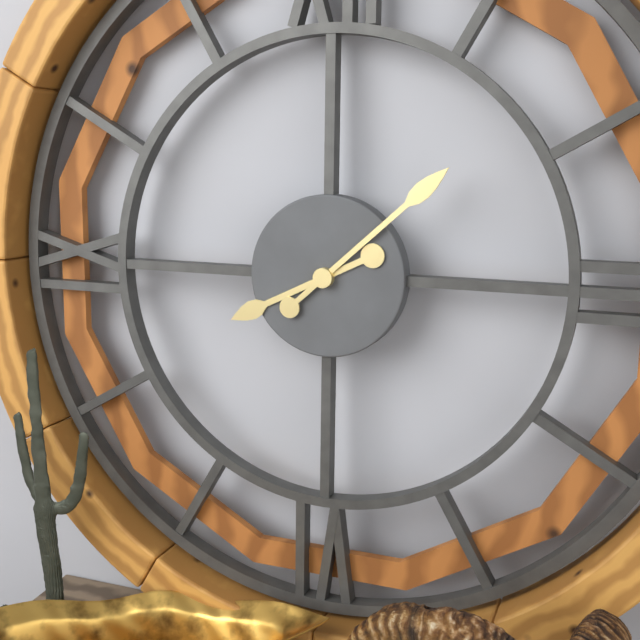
8 h 08 min
